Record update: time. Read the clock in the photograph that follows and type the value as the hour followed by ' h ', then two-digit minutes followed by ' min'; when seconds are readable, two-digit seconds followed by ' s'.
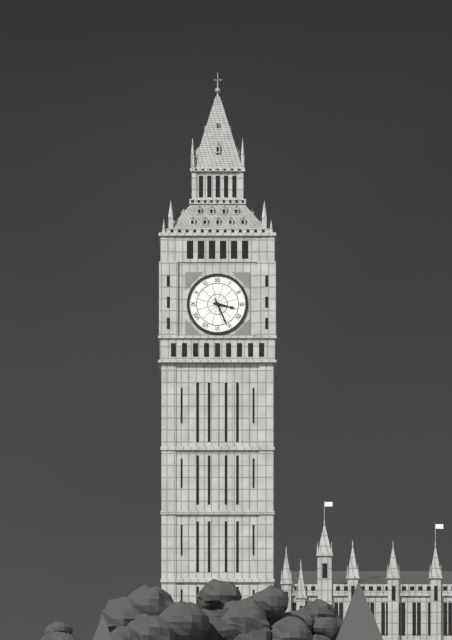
3 h 26 min
